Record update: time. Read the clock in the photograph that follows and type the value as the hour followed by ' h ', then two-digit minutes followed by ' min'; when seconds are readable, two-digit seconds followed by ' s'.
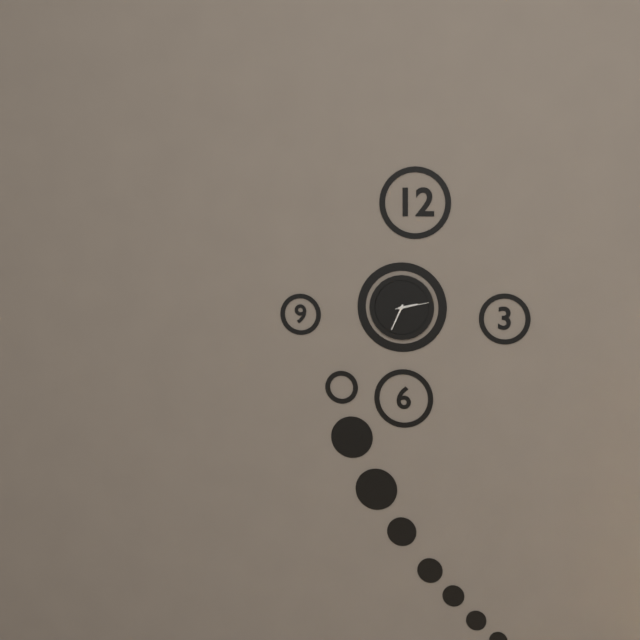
2 h 34 min
